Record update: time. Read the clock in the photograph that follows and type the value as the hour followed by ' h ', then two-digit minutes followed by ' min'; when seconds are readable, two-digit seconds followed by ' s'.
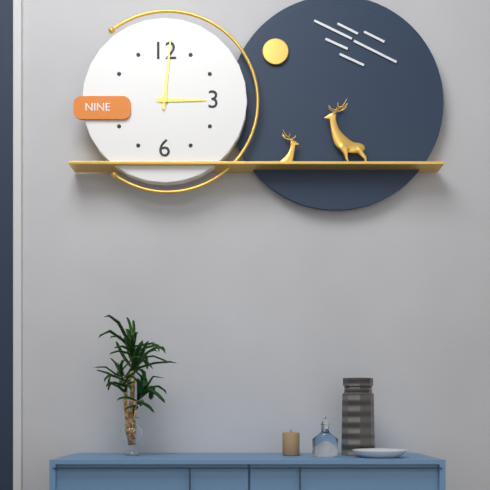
3 h 01 min
